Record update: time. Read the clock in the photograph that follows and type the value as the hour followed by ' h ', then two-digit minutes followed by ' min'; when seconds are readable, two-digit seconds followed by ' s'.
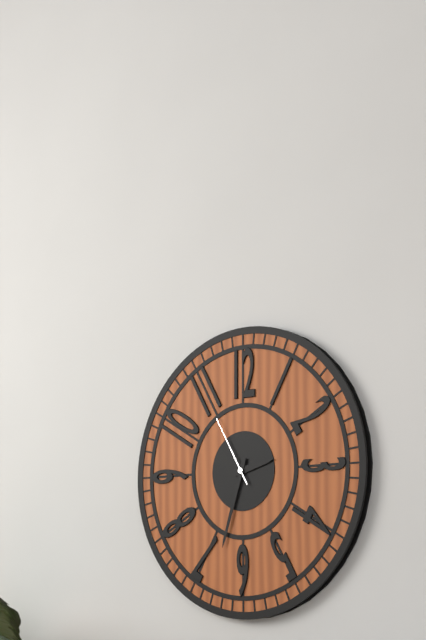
2 h 33 min 55 s
